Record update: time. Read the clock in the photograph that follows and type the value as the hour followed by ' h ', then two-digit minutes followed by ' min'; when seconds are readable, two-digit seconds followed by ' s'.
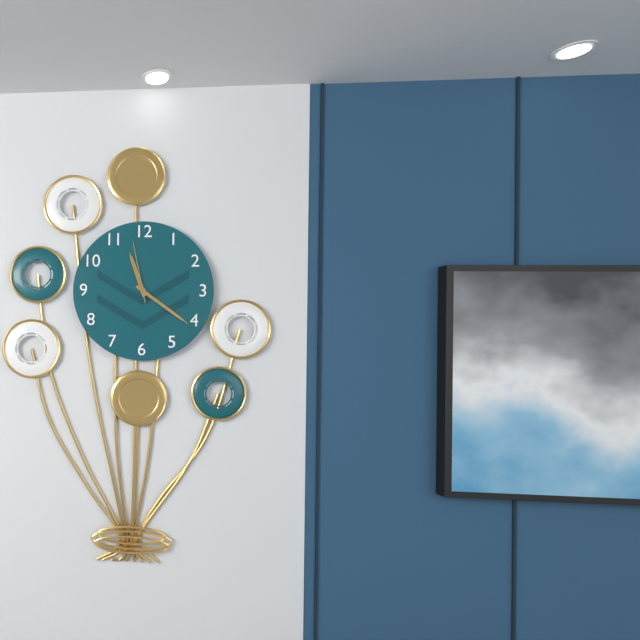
11 h 21 min 58 s
